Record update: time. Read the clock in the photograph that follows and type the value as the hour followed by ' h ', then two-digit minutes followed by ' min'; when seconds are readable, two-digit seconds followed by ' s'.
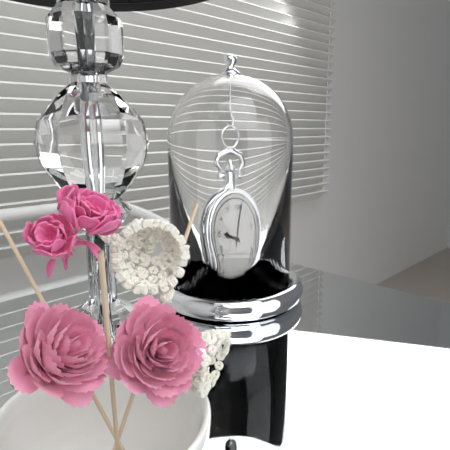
9 h 02 min
